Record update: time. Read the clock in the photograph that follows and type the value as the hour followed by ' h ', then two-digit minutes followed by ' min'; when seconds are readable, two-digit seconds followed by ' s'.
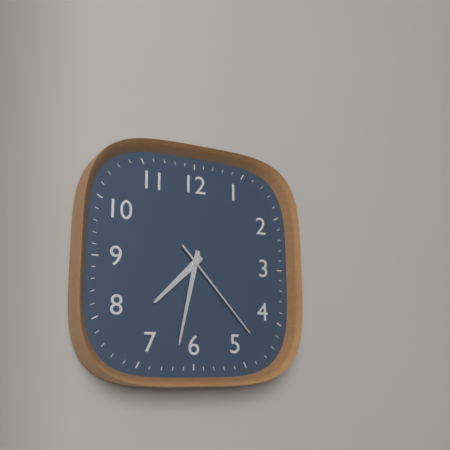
7 h 32 min 23 s
